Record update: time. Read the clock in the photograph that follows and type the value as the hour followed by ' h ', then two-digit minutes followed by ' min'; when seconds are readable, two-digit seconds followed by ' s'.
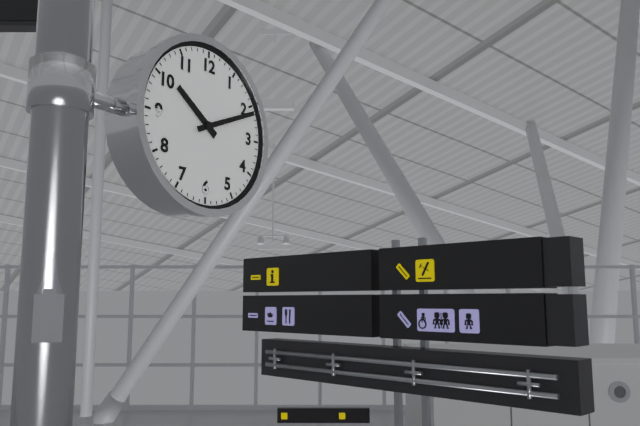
10 h 11 min
